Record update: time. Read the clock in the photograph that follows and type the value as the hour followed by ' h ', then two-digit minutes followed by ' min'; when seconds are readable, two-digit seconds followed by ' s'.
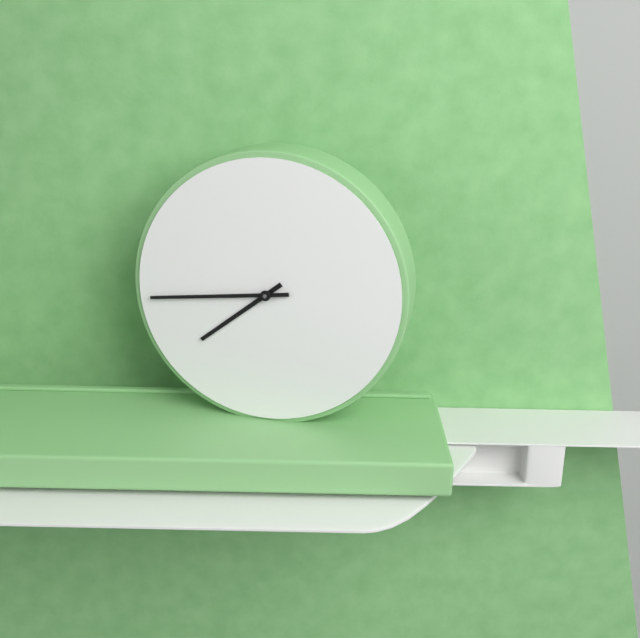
7 h 44 min
